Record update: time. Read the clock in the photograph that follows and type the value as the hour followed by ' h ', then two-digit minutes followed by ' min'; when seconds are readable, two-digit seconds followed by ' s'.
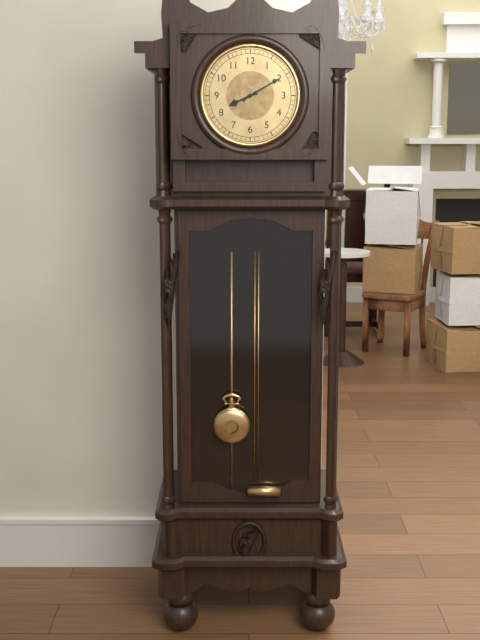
8 h 10 min
